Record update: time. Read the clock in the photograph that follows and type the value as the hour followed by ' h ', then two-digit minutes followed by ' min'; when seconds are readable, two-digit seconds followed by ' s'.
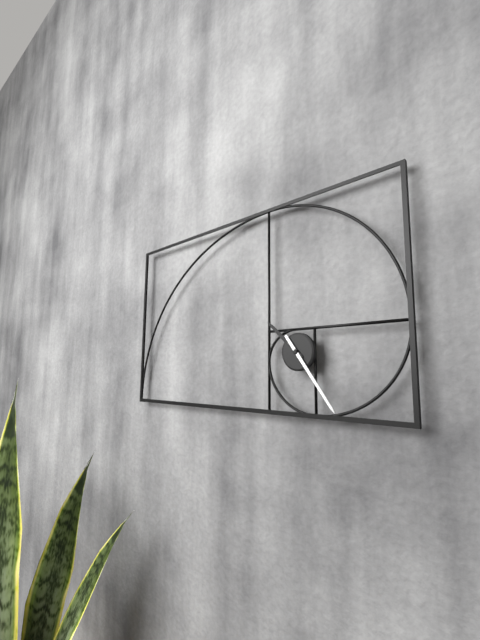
10 h 24 min
